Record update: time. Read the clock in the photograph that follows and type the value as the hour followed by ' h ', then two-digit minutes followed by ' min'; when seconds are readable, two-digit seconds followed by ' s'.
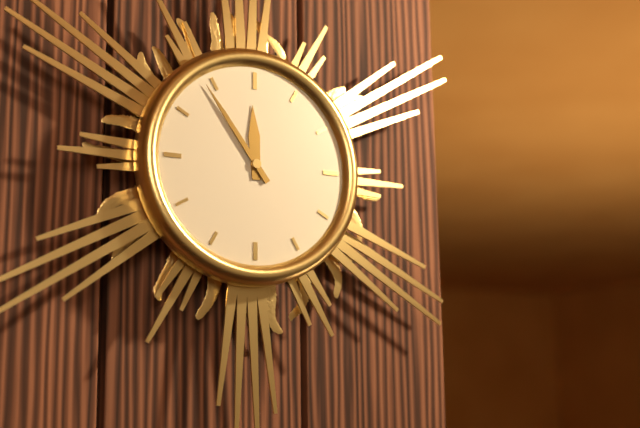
11 h 54 min
